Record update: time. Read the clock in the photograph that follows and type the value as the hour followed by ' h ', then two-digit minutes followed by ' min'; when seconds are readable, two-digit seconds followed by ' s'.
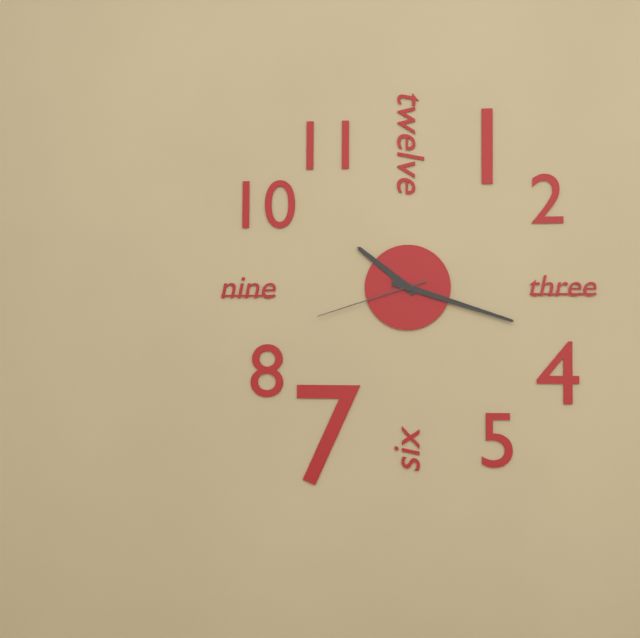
10 h 18 min 42 s
